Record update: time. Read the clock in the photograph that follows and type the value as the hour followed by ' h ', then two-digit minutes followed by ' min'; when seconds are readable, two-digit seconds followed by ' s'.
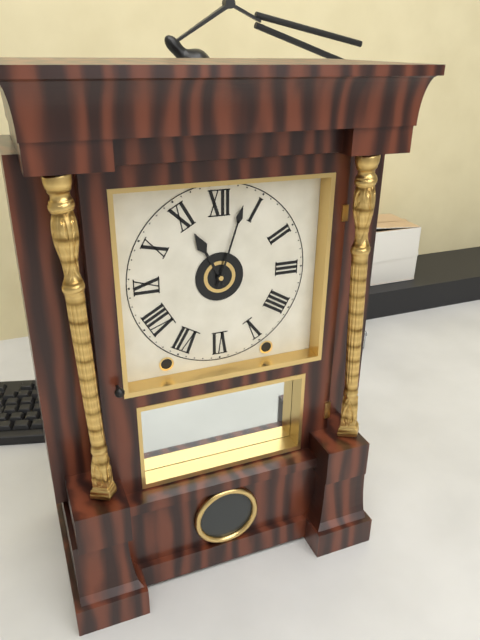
11 h 03 min
